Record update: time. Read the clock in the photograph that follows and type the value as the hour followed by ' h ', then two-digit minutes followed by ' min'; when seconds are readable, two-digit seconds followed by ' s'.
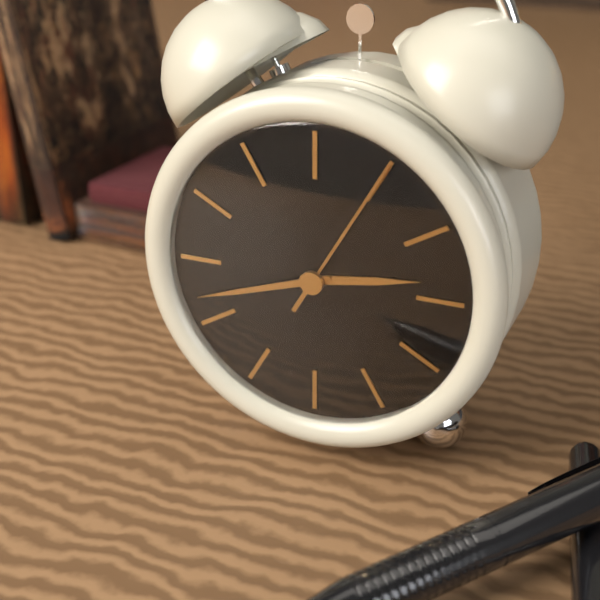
2 h 42 min 05 s
